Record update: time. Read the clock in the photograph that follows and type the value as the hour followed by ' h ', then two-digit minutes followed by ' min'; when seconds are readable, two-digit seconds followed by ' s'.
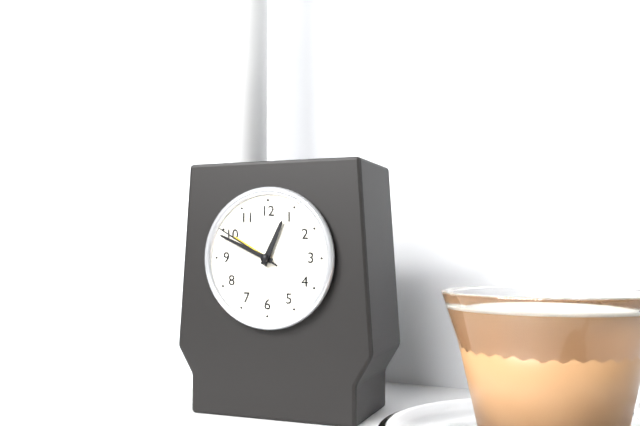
12 h 49 min 50 s
